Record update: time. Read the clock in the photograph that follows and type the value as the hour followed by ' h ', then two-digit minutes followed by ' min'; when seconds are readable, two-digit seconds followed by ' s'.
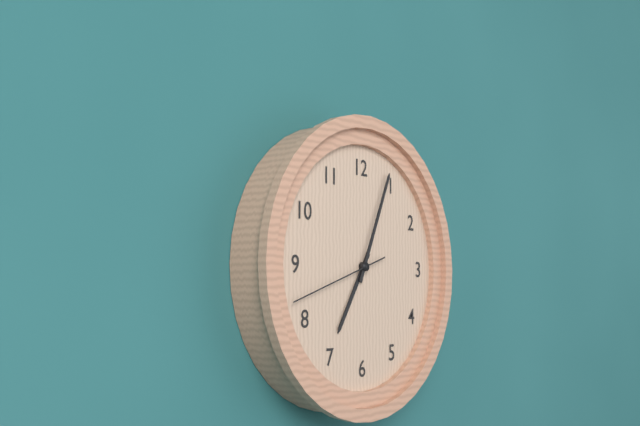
7 h 04 min 42 s
